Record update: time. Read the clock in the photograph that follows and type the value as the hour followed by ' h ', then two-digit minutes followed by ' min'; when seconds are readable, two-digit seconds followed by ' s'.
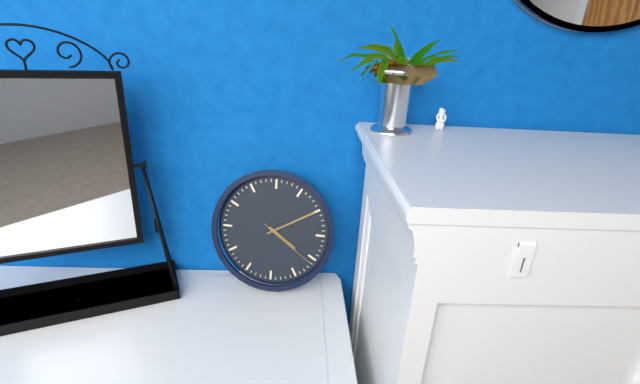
4 h 10 min 21 s
